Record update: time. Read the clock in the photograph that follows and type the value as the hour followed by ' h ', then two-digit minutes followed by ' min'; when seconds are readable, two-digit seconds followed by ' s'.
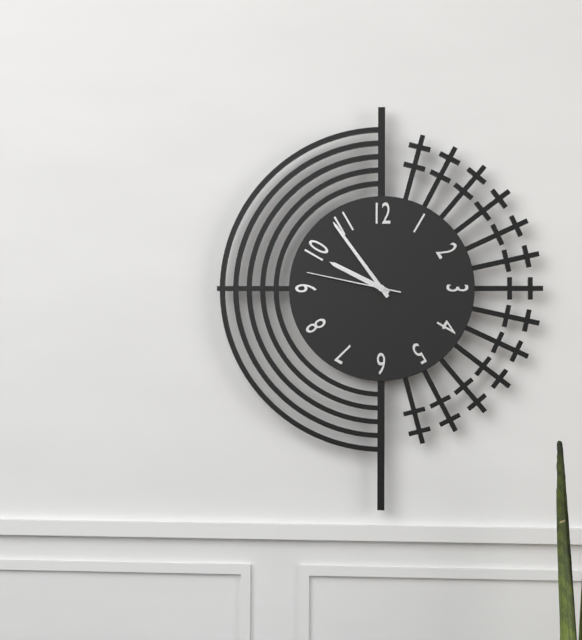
9 h 54 min 47 s
